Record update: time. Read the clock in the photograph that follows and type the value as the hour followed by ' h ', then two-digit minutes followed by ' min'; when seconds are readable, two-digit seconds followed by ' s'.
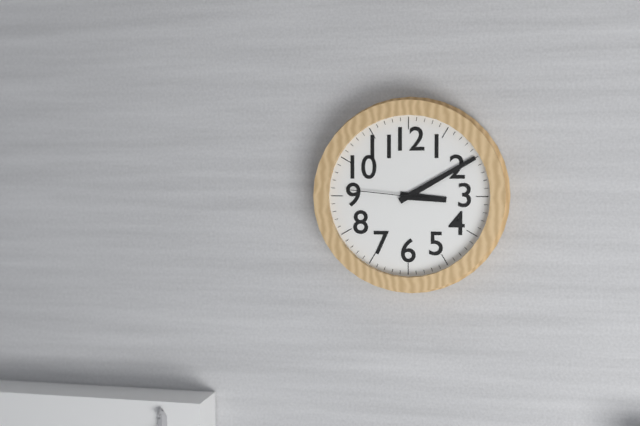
3 h 10 min 46 s
